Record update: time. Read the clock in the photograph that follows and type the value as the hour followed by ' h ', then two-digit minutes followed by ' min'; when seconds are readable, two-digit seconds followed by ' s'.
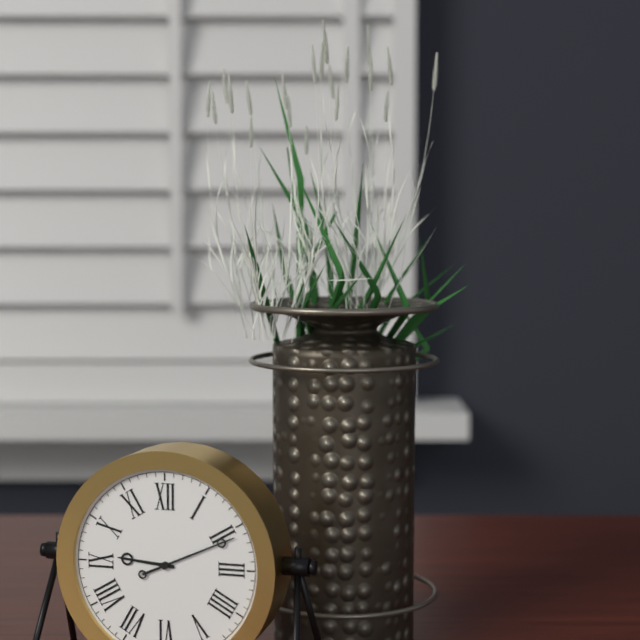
9 h 11 min
